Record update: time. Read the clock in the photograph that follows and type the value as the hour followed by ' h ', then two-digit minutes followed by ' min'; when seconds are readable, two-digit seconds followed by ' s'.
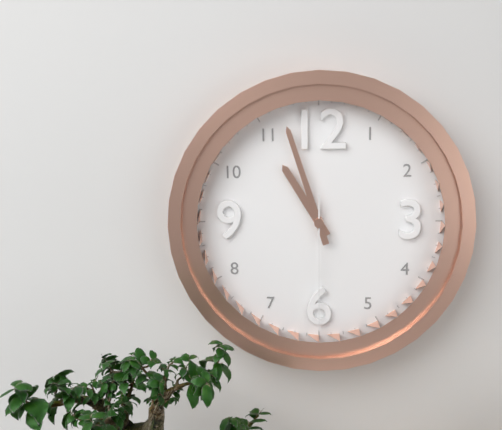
10 h 57 min 30 s
